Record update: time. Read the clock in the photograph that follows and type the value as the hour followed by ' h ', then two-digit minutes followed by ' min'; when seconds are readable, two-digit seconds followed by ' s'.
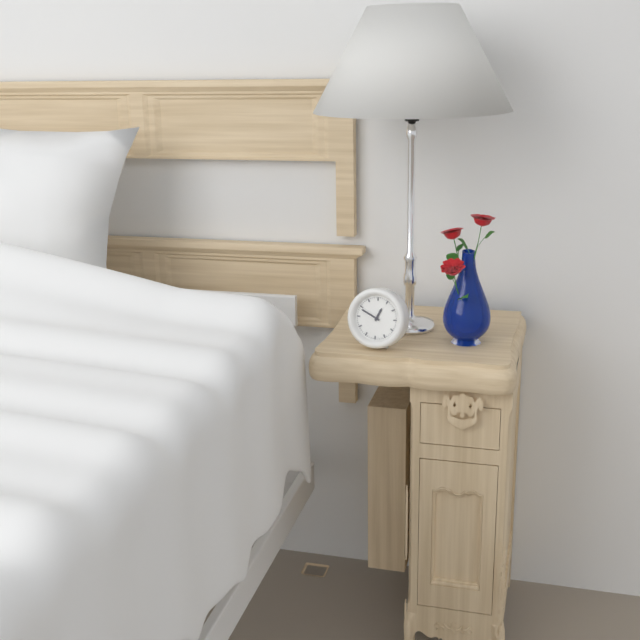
12 h 49 min
